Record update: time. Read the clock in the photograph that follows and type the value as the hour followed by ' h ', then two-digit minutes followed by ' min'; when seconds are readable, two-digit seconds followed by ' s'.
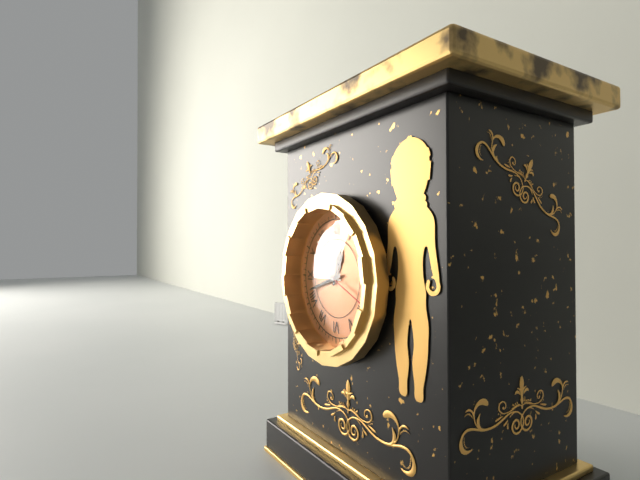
12 h 42 min 19 s
